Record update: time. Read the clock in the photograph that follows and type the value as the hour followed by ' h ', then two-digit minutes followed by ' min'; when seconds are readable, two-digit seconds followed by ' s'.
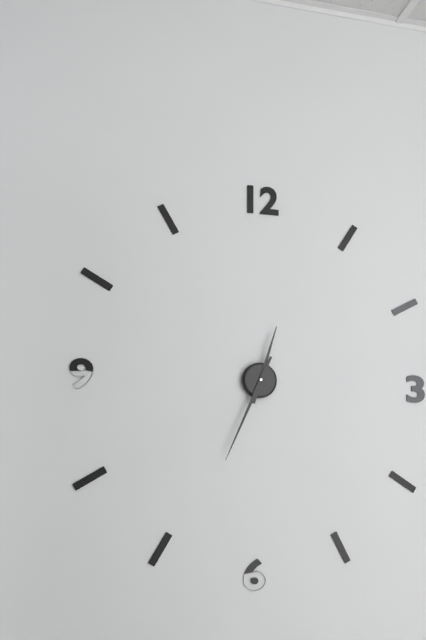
12 h 34 min
